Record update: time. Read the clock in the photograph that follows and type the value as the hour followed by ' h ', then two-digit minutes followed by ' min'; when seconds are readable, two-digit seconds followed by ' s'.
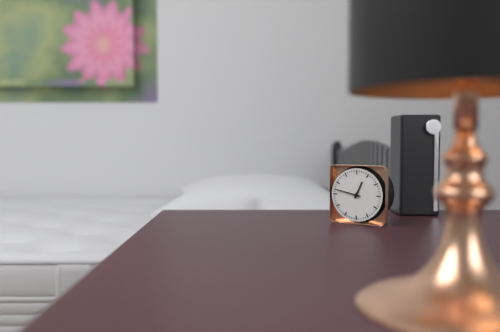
12 h 47 min
